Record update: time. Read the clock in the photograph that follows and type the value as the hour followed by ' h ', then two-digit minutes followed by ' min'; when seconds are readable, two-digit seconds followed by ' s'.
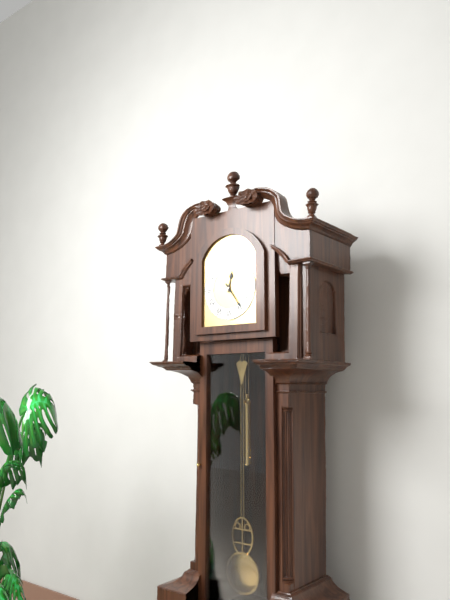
12 h 24 min
